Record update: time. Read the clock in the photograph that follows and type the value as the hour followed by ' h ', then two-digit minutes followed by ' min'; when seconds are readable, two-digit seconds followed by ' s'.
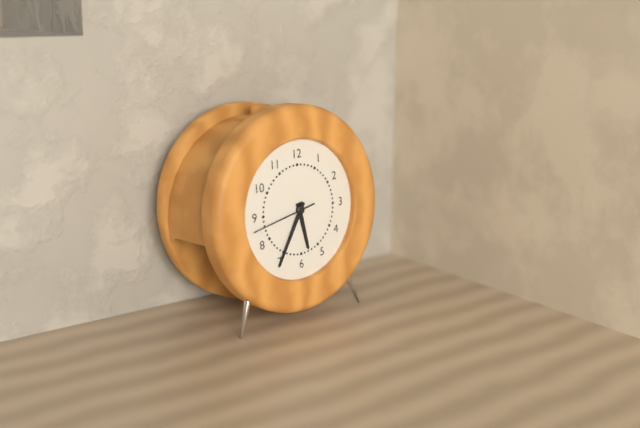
5 h 35 min 43 s
